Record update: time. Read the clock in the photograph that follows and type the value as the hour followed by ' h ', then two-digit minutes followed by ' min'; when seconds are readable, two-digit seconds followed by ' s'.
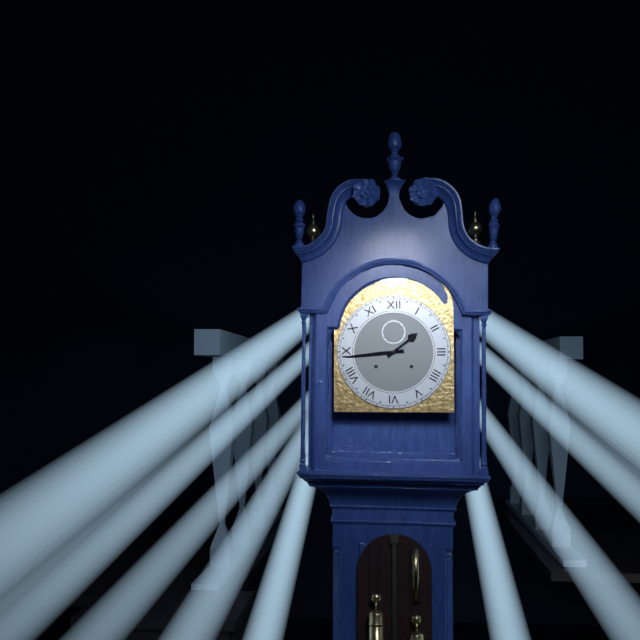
1 h 44 min
